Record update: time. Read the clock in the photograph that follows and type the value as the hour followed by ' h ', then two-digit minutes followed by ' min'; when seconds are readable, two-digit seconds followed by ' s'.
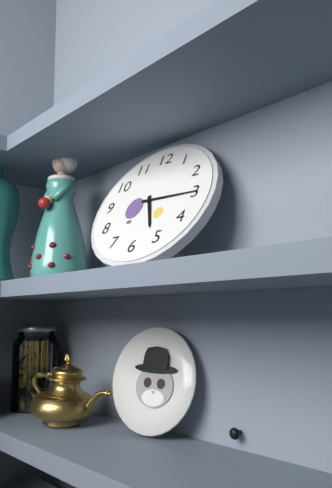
5 h 15 min
